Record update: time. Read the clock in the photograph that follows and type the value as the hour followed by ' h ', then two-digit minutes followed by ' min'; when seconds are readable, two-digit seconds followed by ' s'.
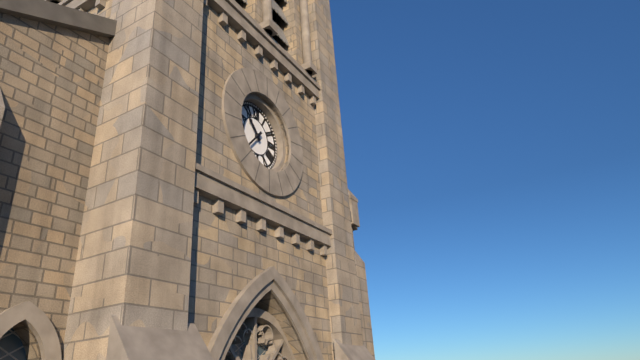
10 h 37 min
